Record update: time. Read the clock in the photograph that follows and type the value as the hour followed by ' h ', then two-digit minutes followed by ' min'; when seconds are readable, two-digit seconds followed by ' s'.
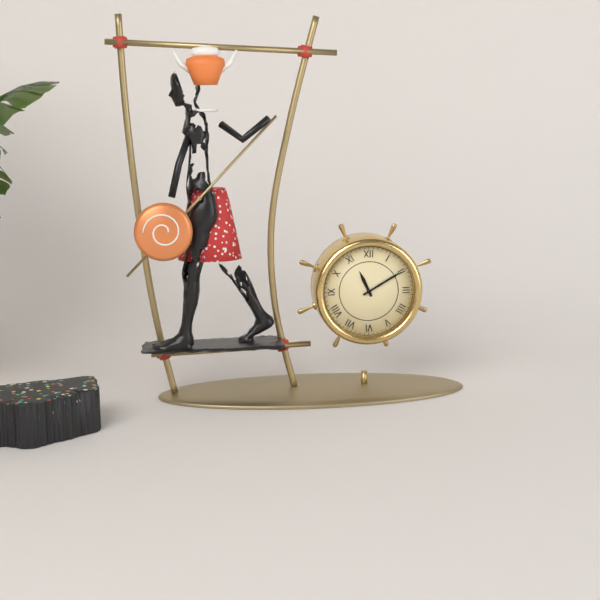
11 h 10 min
